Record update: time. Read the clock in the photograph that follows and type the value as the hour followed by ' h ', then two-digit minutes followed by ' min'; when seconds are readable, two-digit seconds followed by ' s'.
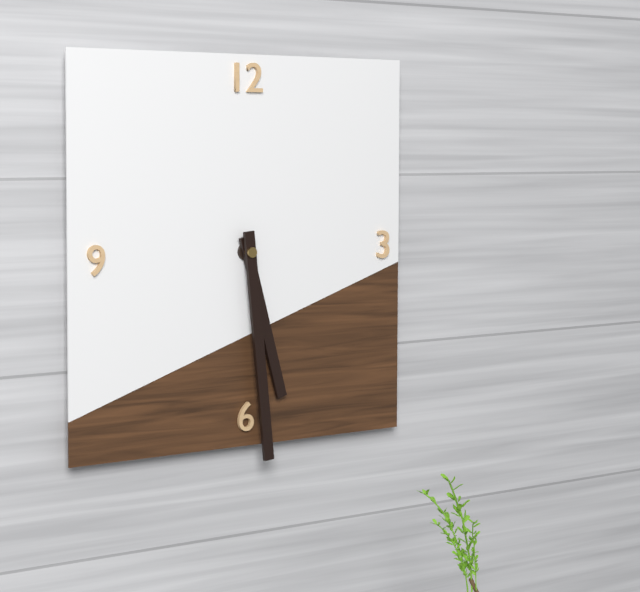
5 h 29 min
